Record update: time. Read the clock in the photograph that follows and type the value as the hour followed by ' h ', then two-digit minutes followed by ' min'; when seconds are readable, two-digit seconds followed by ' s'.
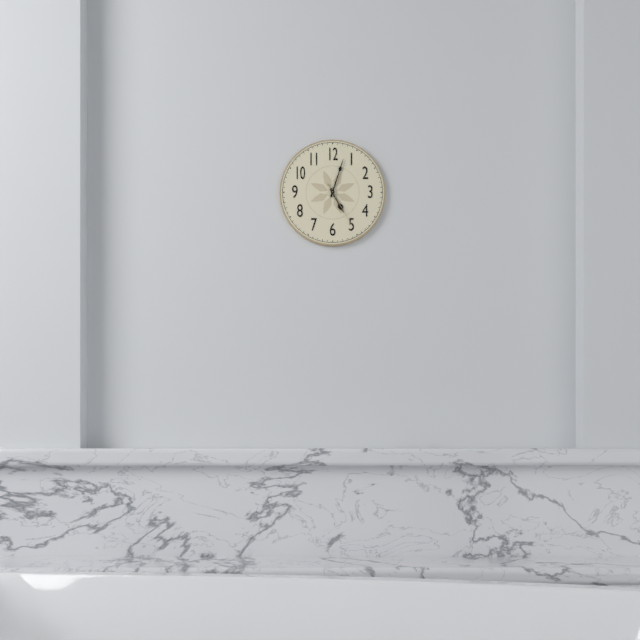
5 h 03 min
